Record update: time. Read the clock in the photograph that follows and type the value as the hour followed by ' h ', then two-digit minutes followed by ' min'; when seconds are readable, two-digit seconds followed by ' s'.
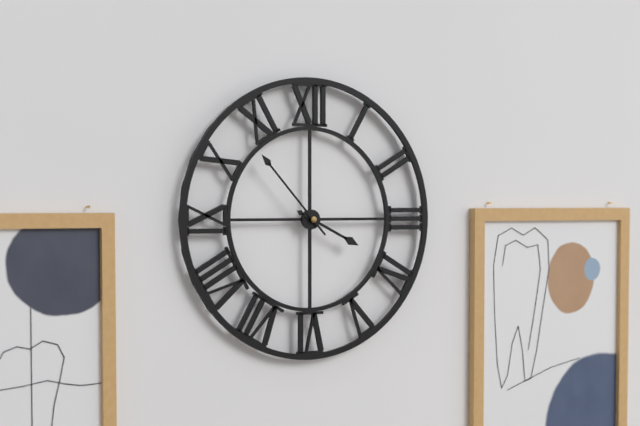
3 h 53 min
